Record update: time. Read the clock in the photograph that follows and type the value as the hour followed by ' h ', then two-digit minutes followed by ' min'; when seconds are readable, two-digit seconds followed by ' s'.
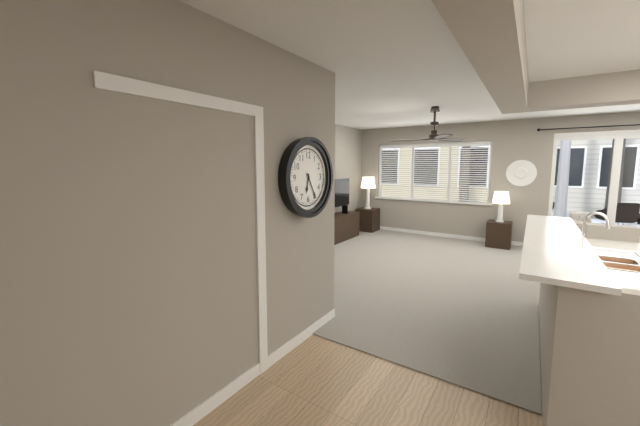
6 h 25 min
